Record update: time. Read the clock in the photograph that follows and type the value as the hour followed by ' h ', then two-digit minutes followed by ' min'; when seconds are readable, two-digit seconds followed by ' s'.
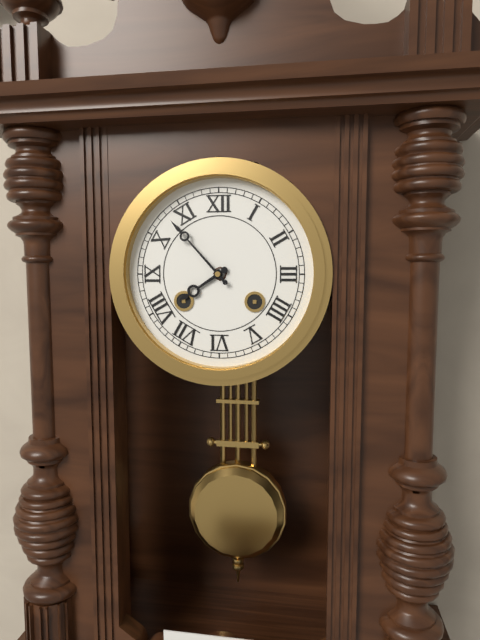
7 h 53 min
